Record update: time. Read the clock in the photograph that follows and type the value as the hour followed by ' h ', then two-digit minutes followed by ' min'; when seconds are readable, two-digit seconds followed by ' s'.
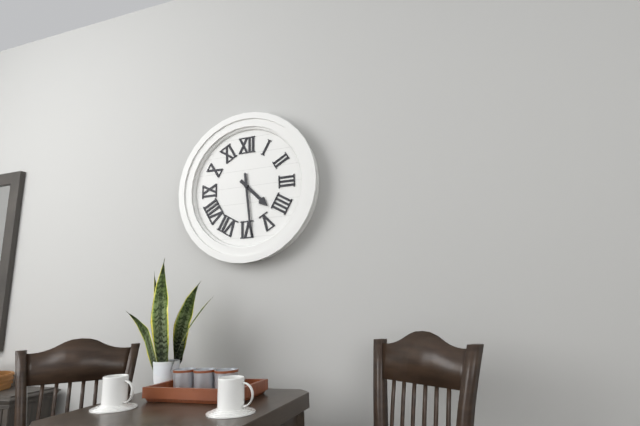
4 h 29 min
